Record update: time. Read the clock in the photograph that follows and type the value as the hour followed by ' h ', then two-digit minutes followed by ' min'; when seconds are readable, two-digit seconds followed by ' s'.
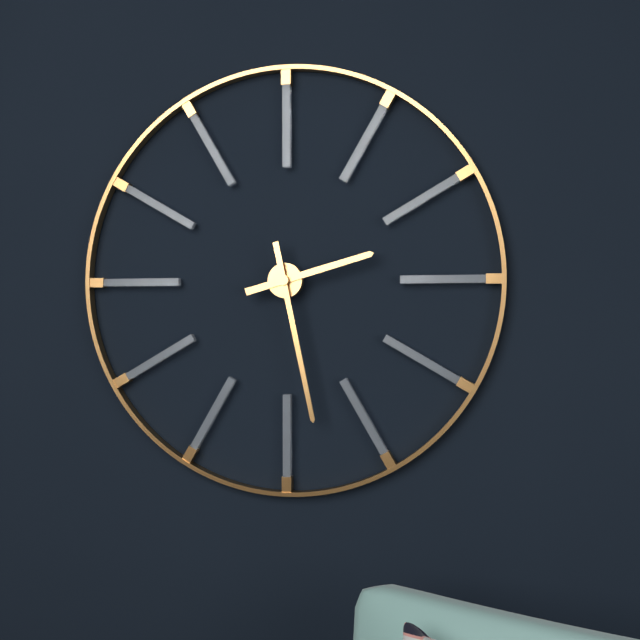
2 h 28 min
